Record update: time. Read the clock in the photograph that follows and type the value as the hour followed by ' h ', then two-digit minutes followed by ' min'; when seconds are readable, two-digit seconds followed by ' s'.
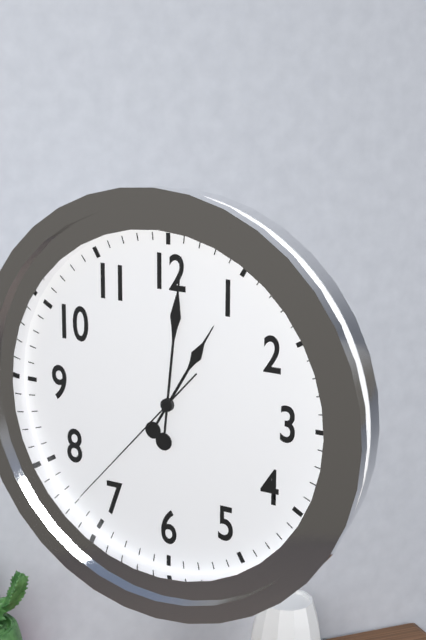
1 h 01 min 37 s
